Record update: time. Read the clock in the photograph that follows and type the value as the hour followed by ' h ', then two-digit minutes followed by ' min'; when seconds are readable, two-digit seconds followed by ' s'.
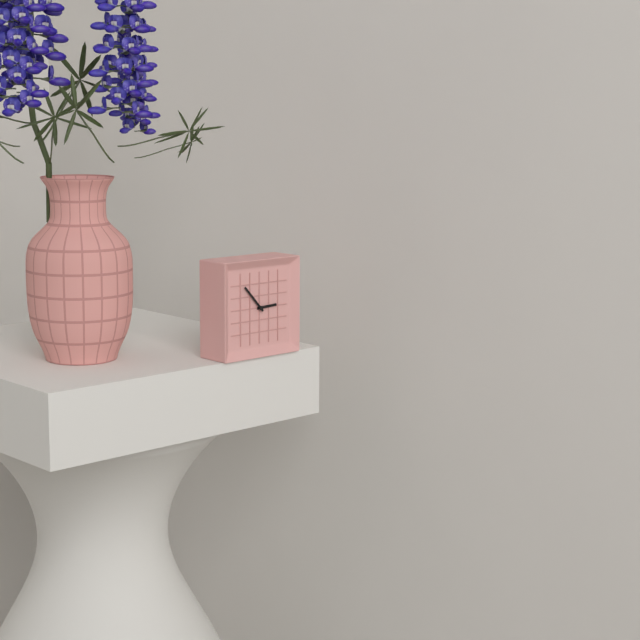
2 h 53 min
